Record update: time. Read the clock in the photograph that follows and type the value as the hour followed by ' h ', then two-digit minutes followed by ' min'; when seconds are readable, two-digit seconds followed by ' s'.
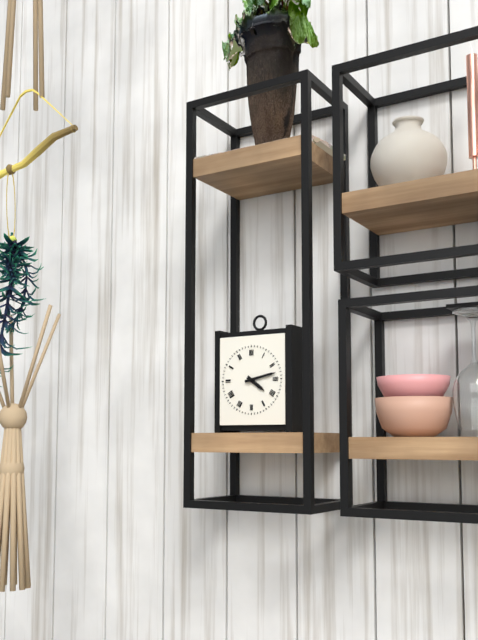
4 h 13 min
